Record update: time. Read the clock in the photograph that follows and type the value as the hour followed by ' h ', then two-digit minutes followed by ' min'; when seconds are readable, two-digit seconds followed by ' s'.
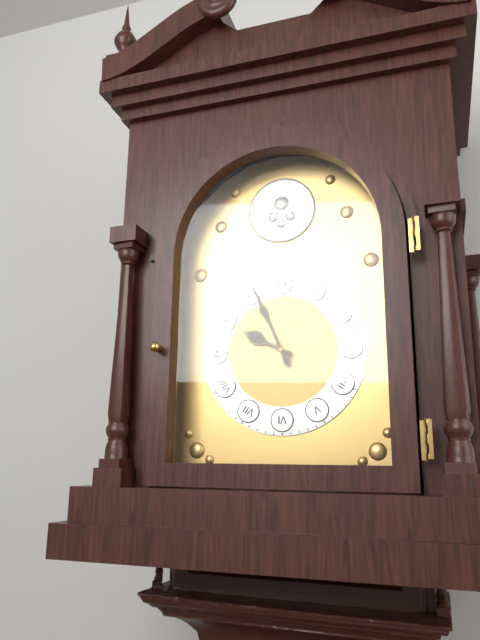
9 h 56 min
